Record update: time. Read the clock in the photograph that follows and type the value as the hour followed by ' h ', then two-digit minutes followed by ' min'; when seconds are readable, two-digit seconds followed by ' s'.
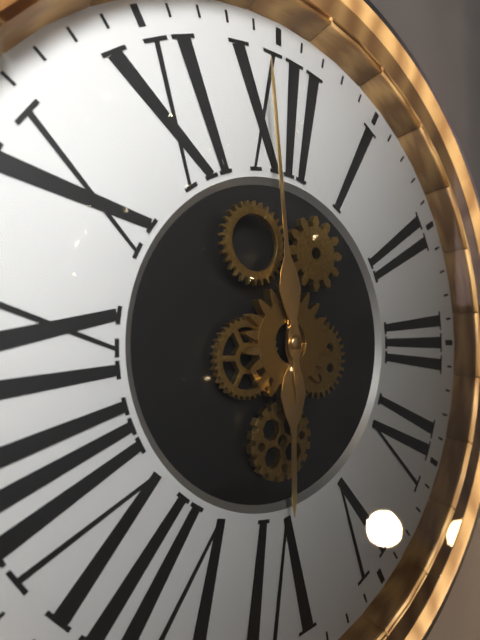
5 h 59 min
